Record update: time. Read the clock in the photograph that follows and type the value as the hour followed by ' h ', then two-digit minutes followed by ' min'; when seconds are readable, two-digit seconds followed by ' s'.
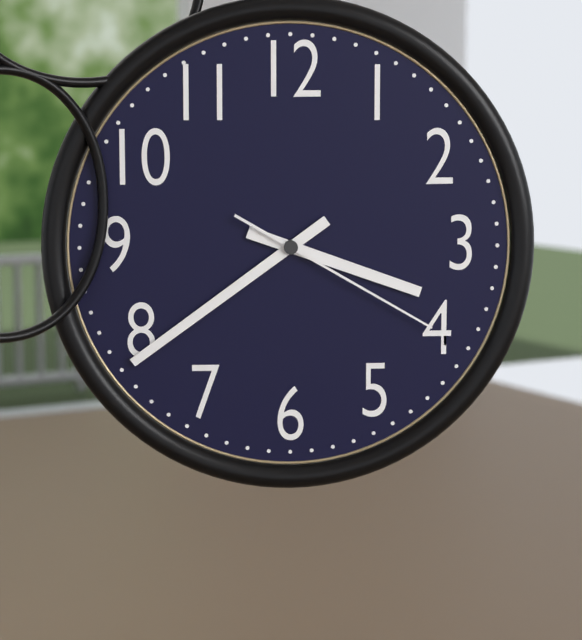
3 h 39 min 20 s
